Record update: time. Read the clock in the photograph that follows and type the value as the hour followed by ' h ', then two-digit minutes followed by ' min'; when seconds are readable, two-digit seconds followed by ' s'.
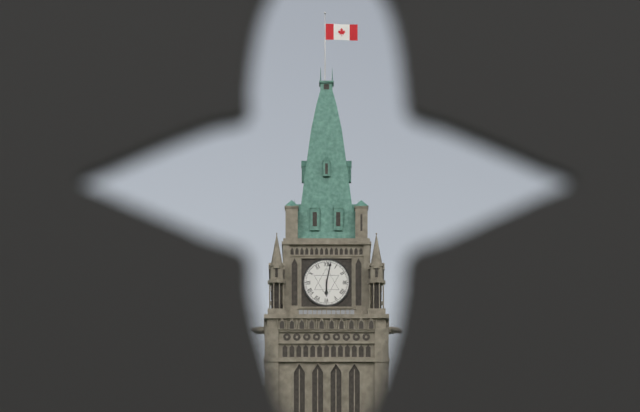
6 h 02 min
